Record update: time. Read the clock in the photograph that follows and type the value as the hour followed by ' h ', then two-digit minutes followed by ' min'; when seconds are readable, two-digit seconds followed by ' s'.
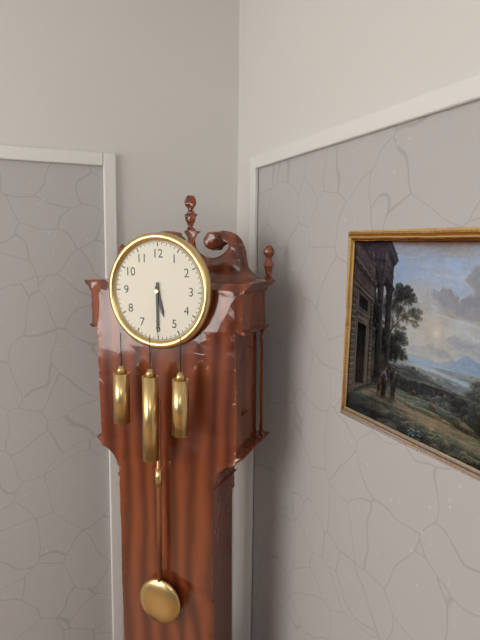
5 h 30 min
